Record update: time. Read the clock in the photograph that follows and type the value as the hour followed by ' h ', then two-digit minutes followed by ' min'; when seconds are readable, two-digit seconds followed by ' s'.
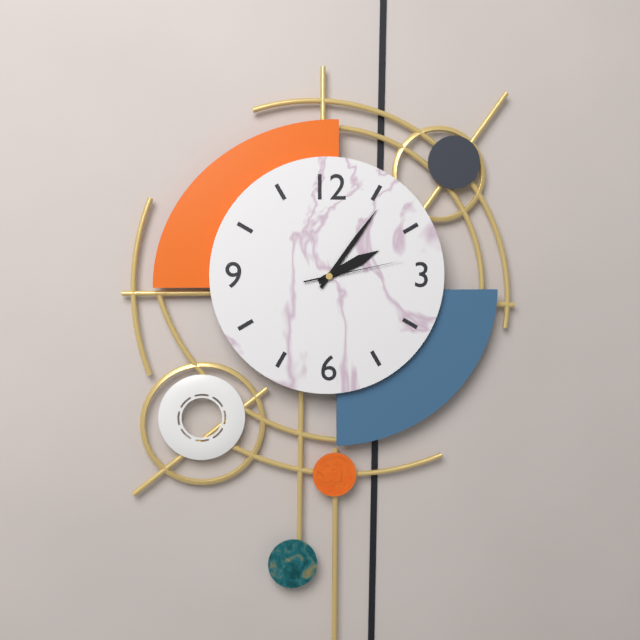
2 h 06 min 13 s
